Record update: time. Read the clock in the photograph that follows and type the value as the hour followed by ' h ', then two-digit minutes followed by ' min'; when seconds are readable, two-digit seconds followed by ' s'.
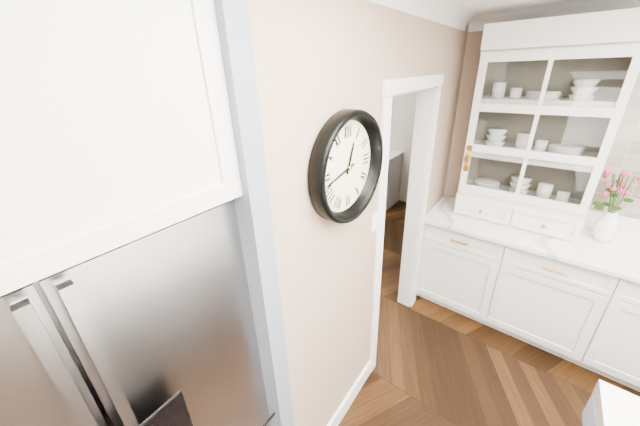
12 h 43 min
